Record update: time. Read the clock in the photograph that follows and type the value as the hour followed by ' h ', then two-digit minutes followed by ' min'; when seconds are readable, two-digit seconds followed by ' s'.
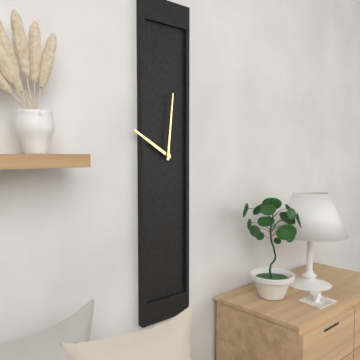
10 h 01 min
